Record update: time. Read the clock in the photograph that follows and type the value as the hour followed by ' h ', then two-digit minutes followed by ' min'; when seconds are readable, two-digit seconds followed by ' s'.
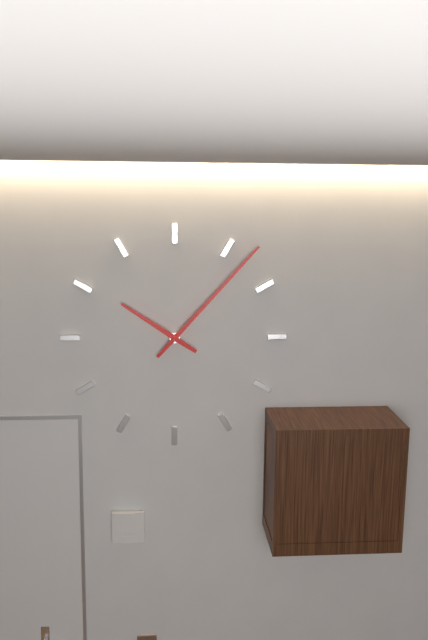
10 h 07 min
